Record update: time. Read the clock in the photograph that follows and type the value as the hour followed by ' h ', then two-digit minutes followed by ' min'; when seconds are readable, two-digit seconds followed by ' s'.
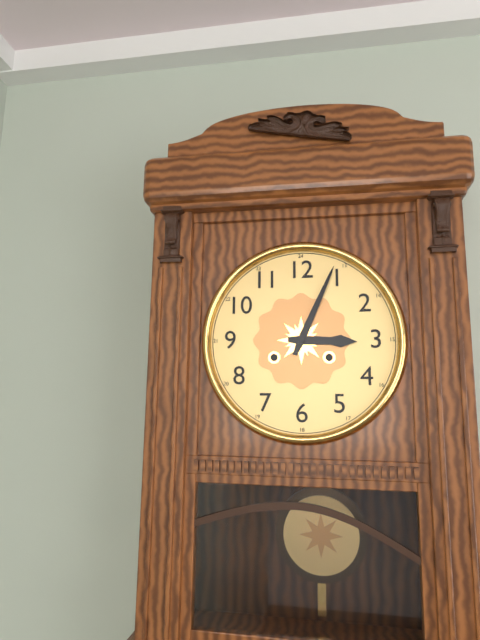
3 h 04 min
